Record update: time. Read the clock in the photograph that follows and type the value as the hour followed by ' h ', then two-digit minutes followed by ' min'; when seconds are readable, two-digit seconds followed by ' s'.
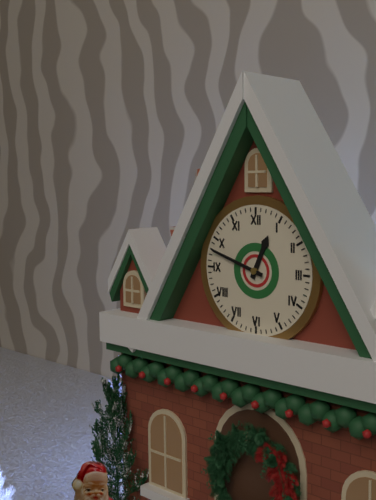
12 h 48 min
